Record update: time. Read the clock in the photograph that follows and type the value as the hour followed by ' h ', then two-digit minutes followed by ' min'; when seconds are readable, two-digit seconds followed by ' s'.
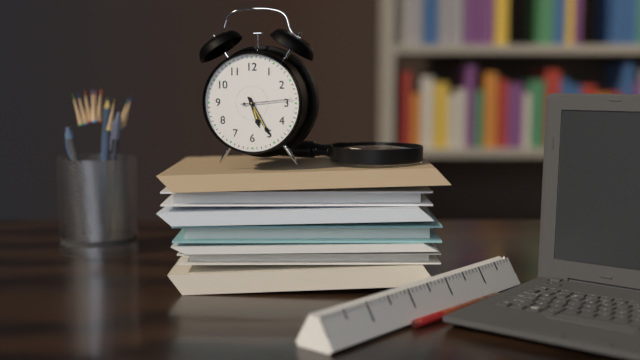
5 h 25 min 14 s
